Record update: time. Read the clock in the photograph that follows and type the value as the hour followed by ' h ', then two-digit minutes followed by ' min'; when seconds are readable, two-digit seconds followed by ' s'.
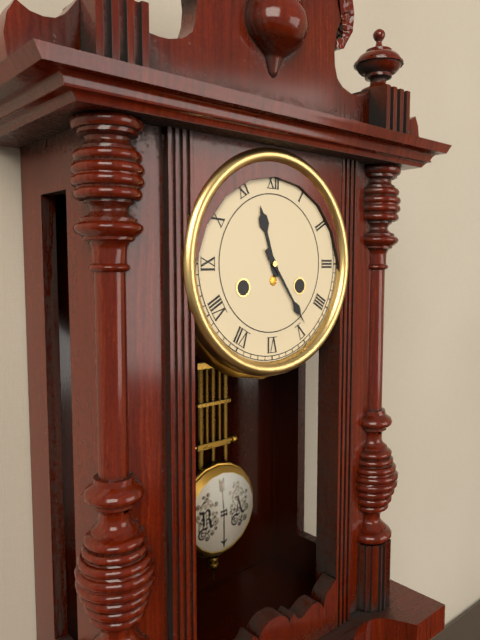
11 h 24 min
